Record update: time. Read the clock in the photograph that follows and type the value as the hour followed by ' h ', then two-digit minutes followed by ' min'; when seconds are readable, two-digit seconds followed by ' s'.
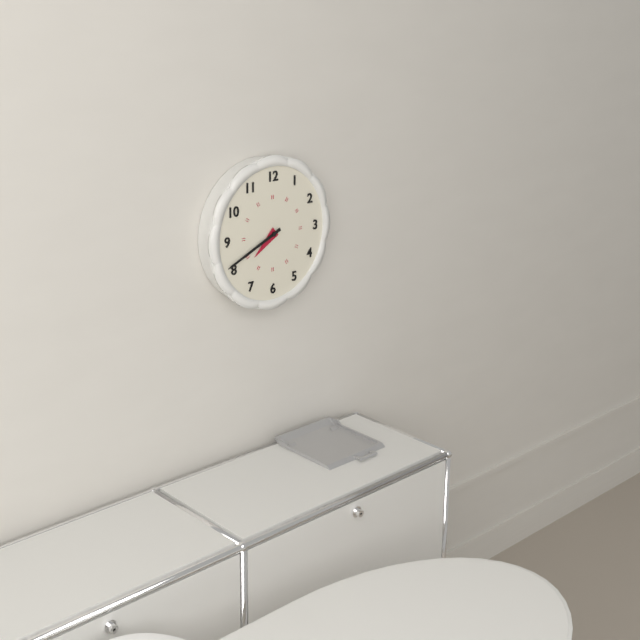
7 h 41 min
